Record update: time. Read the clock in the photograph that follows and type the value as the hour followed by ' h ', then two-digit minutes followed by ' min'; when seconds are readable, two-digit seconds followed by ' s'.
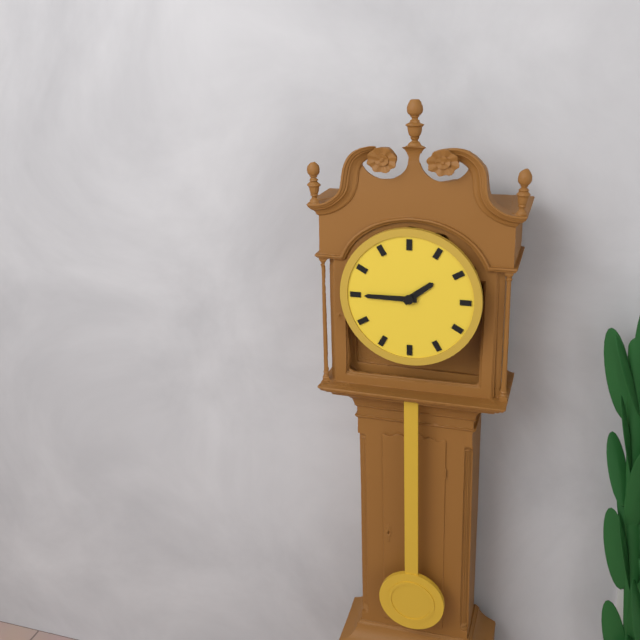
1 h 45 min
